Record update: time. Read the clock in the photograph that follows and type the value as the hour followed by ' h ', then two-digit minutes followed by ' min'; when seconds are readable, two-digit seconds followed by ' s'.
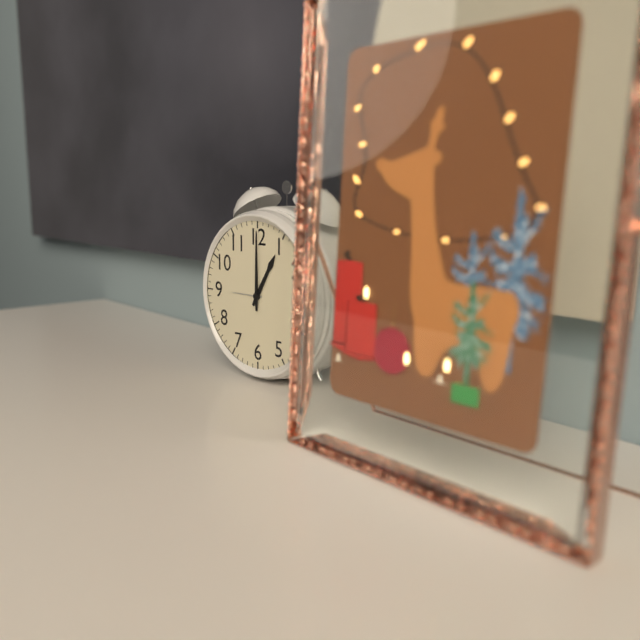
1 h 00 min
